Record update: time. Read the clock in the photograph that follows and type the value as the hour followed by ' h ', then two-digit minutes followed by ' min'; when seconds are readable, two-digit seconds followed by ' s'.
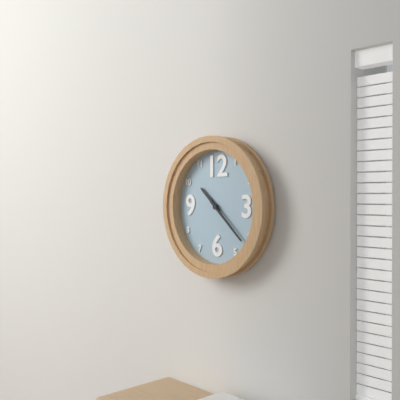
10 h 22 min
